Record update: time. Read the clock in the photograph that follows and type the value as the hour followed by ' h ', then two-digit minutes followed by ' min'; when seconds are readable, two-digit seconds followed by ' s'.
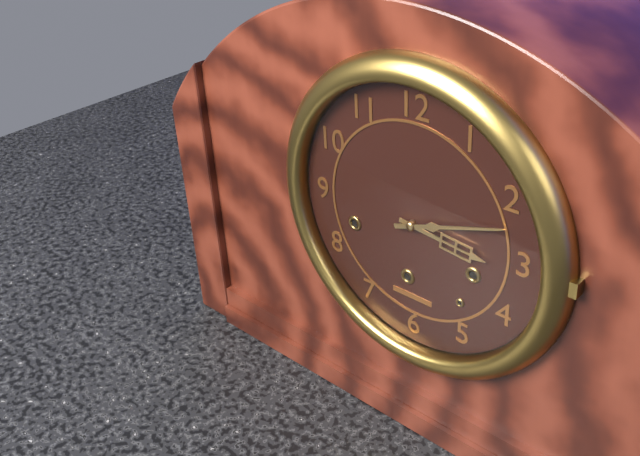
3 h 12 min
